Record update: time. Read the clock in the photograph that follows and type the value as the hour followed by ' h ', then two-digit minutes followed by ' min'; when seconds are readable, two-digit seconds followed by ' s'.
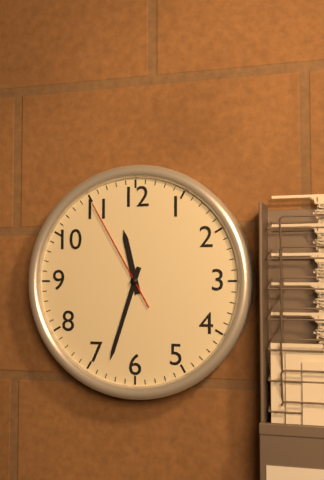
11 h 33 min 55 s
